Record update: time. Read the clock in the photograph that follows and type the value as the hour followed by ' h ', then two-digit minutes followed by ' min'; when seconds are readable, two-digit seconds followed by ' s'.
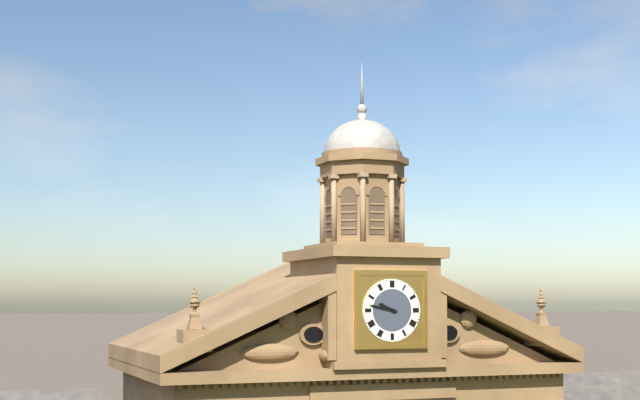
9 h 47 min
